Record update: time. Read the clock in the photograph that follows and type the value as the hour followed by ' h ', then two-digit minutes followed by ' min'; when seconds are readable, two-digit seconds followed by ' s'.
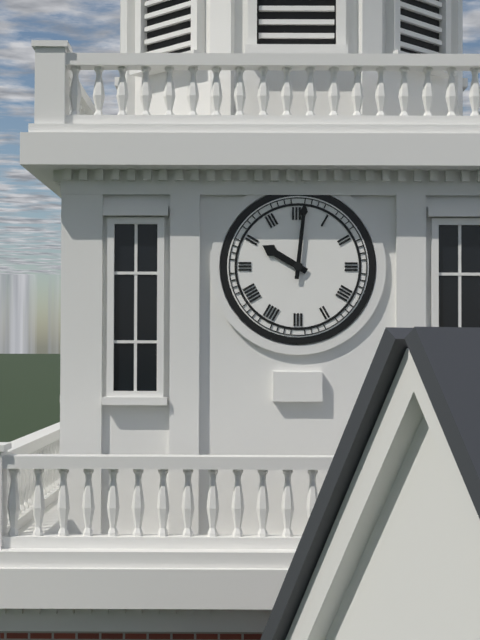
10 h 01 min
